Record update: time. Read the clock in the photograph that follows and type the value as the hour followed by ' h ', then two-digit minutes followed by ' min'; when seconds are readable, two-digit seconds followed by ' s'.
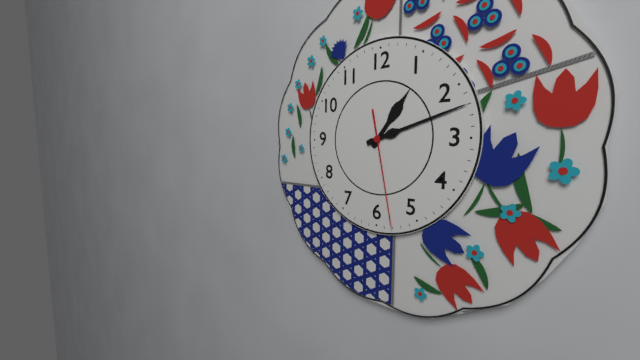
1 h 12 min 28 s
